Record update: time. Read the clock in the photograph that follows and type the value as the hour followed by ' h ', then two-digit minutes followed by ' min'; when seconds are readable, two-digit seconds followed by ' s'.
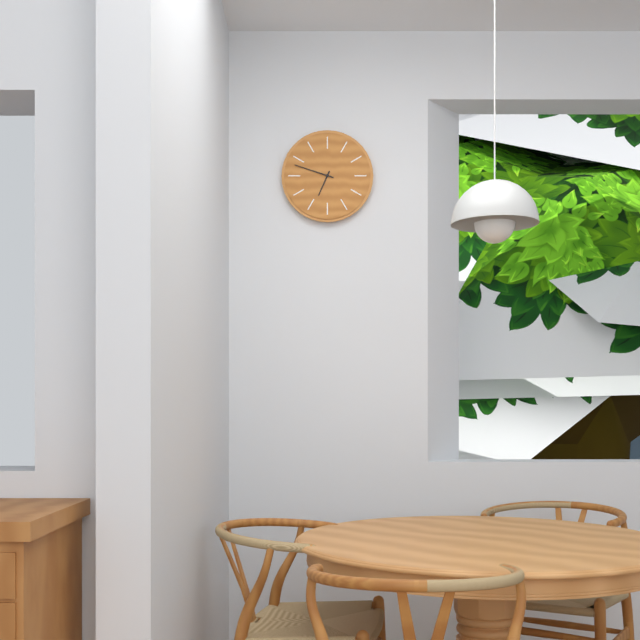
6 h 48 min
